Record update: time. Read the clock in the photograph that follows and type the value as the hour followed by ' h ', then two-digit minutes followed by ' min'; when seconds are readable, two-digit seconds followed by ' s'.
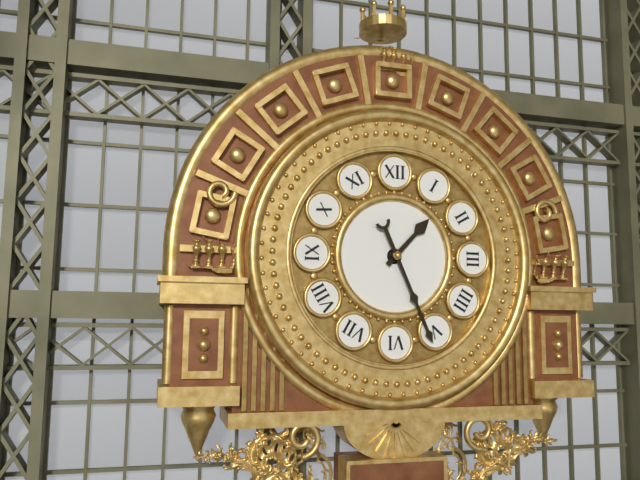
1 h 26 min
